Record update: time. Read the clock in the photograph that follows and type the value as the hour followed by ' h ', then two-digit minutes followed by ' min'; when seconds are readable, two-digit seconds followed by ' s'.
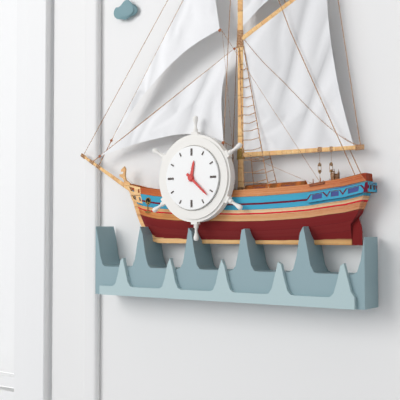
12 h 22 min
